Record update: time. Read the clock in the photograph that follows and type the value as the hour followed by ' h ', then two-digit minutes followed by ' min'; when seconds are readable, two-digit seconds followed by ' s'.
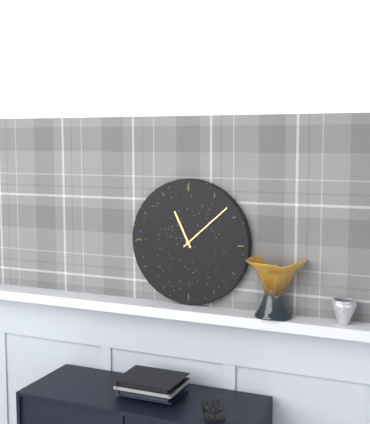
11 h 08 min
